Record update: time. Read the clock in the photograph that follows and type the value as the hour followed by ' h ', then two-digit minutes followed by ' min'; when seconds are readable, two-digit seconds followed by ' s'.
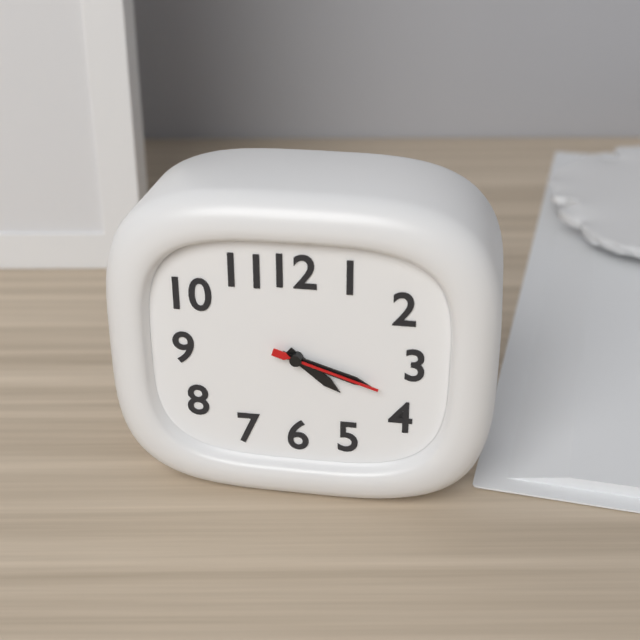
4 h 18 min 18 s
